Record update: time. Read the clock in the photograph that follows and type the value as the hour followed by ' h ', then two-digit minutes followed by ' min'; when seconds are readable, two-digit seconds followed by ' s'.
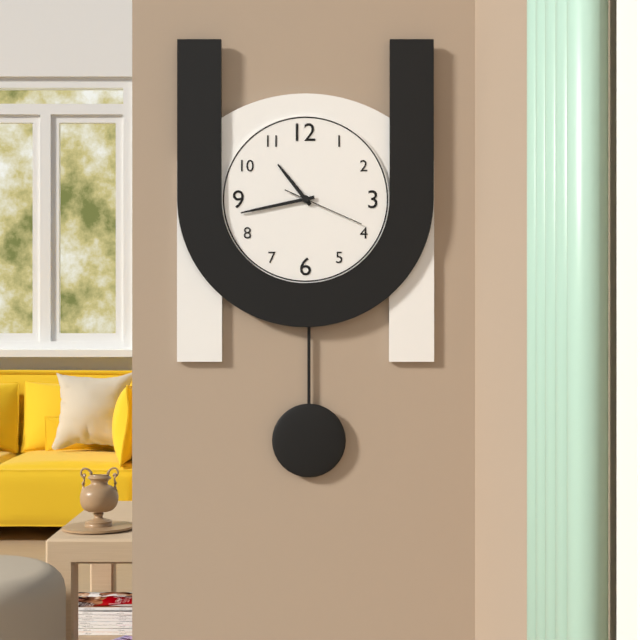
10 h 43 min 19 s
